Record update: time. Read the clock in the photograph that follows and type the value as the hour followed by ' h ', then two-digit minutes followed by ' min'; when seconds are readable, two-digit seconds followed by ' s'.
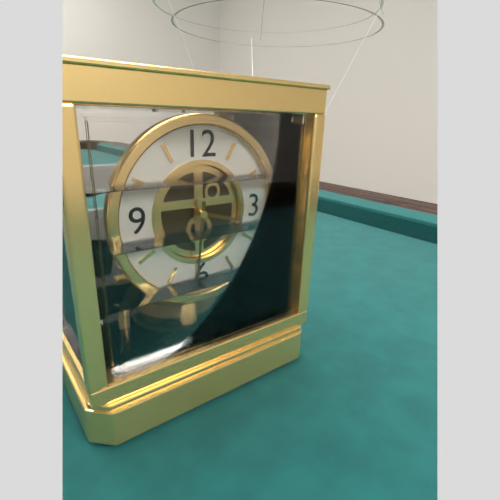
3 h 31 min
